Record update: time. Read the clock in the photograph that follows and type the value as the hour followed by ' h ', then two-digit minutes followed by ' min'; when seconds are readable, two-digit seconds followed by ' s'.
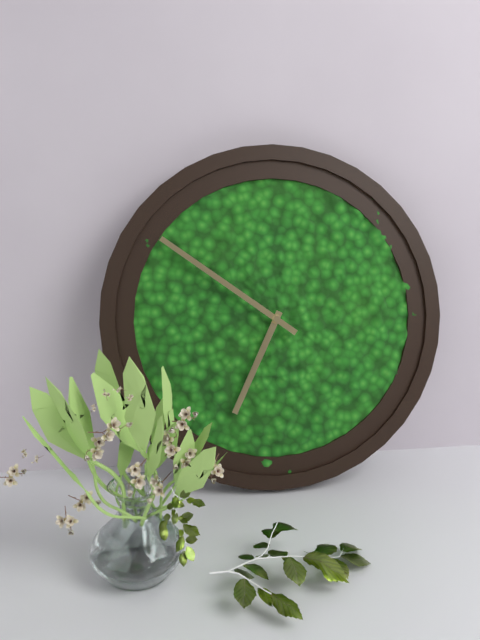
6 h 51 min
